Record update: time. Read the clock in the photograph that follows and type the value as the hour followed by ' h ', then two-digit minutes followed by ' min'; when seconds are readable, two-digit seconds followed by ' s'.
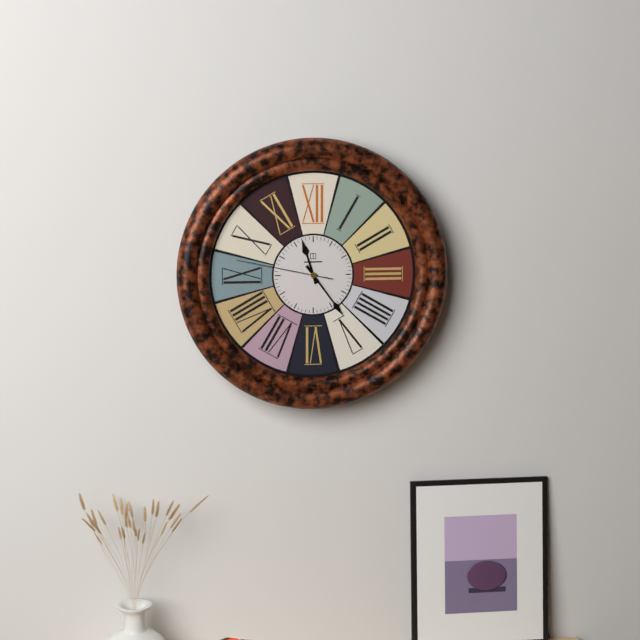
11 h 24 min 47 s
